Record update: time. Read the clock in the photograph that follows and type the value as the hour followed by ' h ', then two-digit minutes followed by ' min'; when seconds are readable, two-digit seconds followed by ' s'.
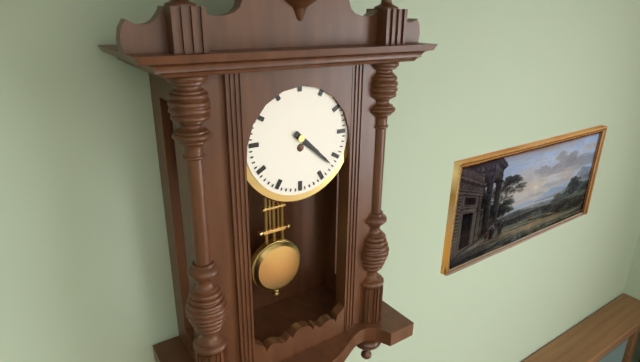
4 h 22 min
